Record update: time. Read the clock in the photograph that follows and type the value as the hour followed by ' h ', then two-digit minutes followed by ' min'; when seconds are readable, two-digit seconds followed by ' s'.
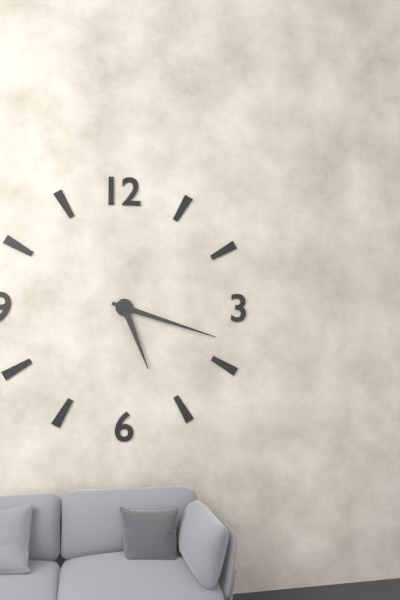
5 h 18 min
